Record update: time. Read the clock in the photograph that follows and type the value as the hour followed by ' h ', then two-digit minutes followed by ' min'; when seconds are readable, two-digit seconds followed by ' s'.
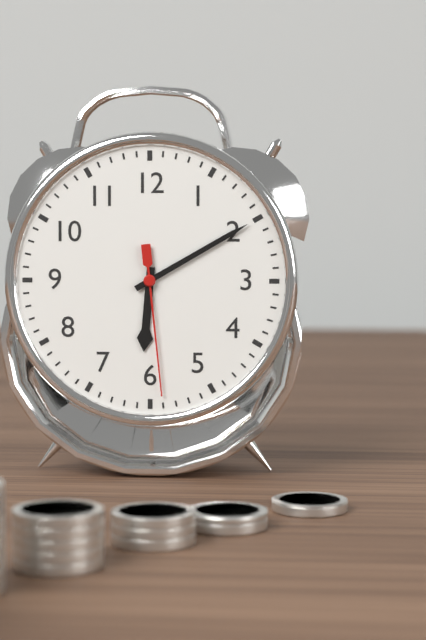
6 h 10 min 29 s
